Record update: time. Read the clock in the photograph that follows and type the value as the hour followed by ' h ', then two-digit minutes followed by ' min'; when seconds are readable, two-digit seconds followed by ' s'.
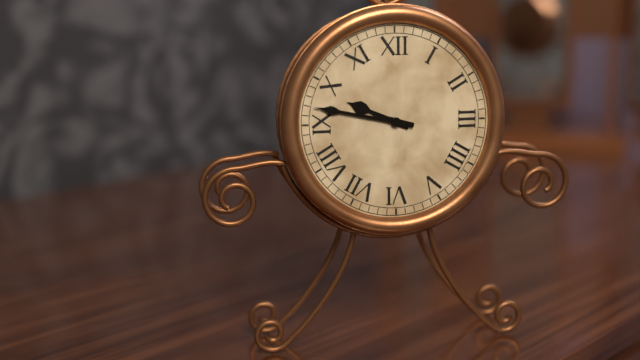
9 h 47 min
